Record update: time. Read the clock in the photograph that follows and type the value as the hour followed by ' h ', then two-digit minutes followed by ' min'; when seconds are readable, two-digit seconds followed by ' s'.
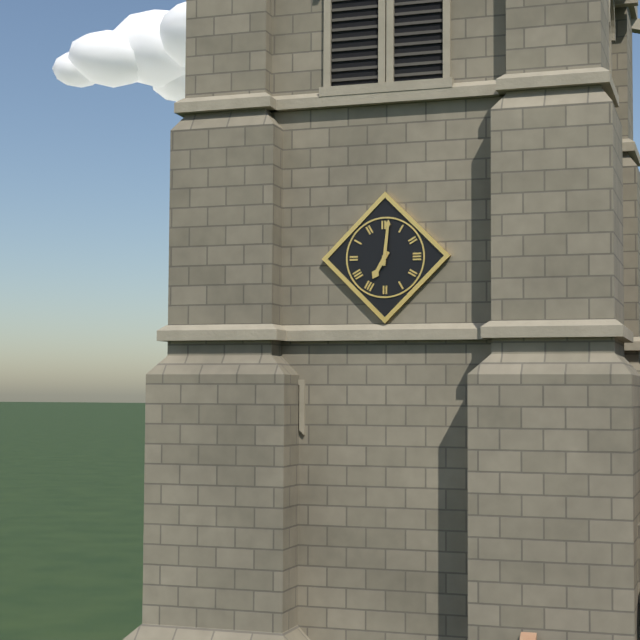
7 h 01 min
